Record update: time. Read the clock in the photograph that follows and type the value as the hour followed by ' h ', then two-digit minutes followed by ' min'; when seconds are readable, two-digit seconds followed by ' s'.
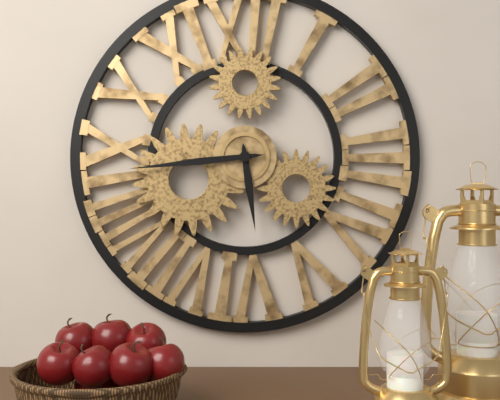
5 h 44 min
